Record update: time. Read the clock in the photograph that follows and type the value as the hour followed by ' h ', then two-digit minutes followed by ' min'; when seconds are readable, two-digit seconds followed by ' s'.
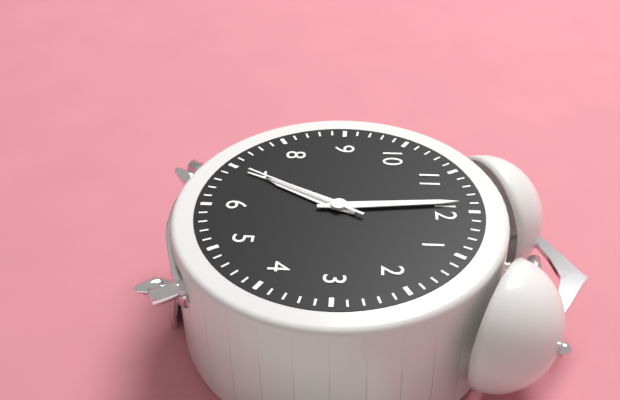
6 h 59 min 35 s
